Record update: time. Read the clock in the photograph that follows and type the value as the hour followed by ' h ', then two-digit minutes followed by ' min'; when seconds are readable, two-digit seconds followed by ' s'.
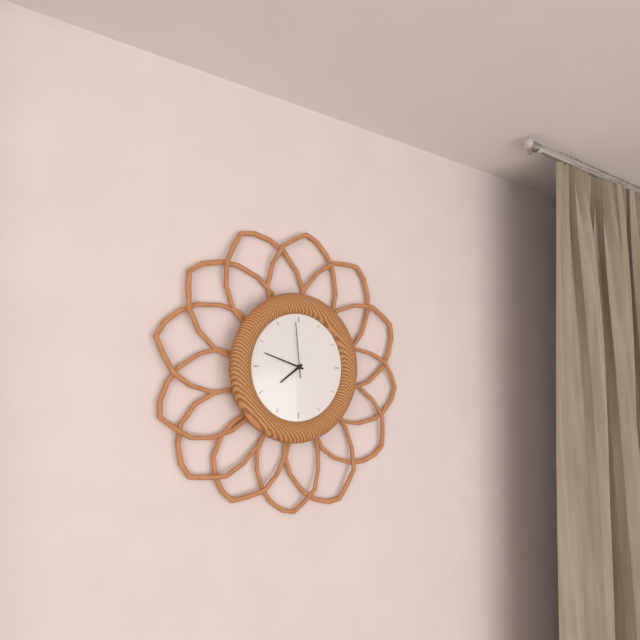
7 h 48 min 59 s
